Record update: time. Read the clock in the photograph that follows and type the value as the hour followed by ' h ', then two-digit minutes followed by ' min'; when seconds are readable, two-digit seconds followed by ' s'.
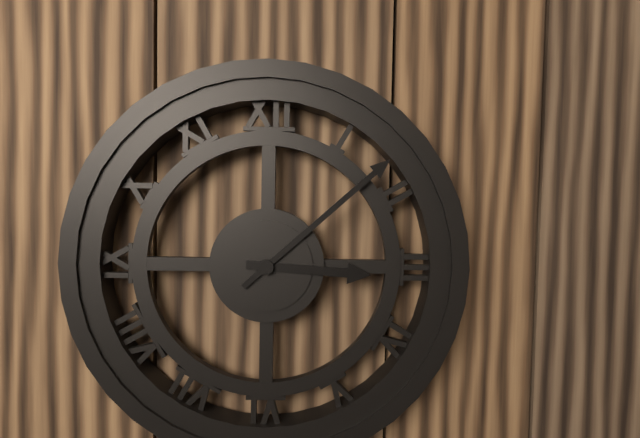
3 h 08 min
